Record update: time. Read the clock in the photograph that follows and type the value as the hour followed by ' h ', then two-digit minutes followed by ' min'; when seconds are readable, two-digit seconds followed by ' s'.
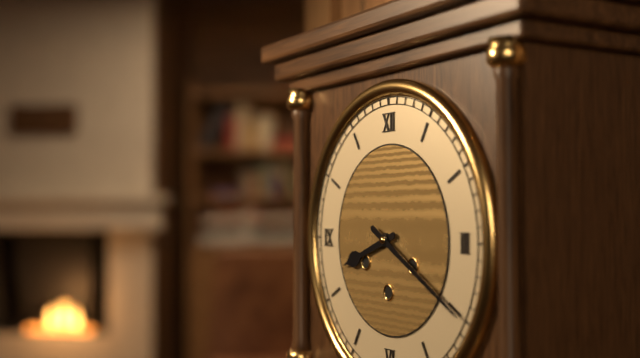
8 h 20 min
